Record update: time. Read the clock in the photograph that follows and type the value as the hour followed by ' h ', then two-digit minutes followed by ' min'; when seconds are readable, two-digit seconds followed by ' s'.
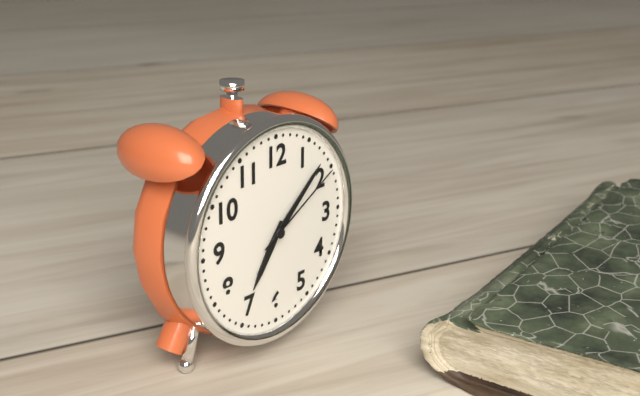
7 h 08 min 10 s
